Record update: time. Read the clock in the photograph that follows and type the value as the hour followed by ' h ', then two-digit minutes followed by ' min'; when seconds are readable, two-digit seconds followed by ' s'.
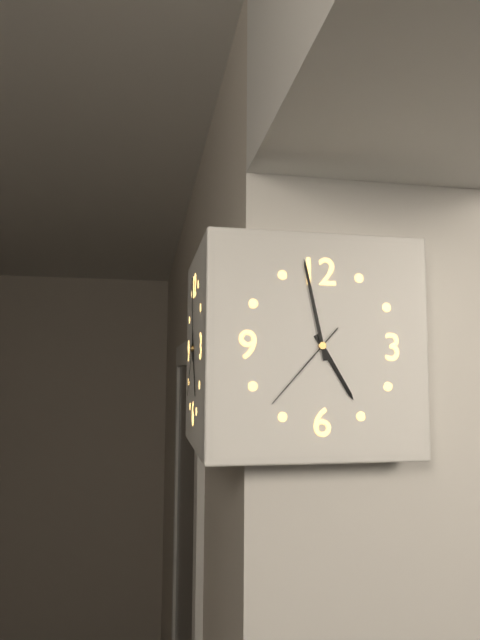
4 h 58 min 37 s
